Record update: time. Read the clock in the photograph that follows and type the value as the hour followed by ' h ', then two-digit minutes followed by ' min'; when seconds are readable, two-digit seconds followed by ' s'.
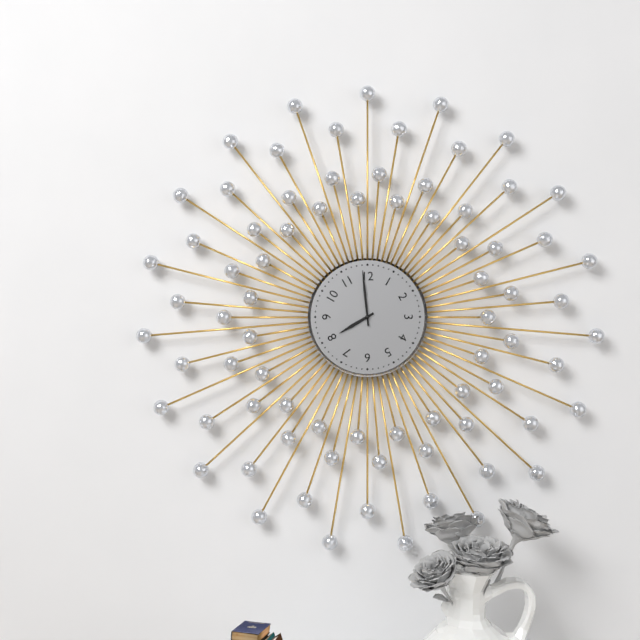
7 h 59 min
